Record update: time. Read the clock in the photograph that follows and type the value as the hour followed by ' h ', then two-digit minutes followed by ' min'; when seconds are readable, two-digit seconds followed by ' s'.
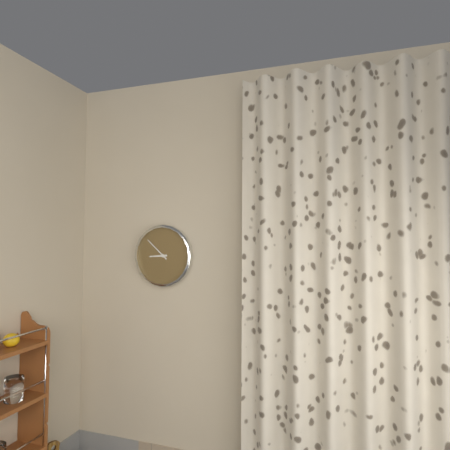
8 h 52 min
